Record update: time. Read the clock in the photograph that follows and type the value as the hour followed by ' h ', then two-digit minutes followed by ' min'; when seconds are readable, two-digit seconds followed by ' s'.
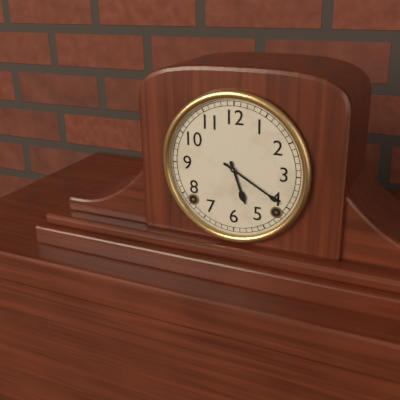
5 h 20 min
